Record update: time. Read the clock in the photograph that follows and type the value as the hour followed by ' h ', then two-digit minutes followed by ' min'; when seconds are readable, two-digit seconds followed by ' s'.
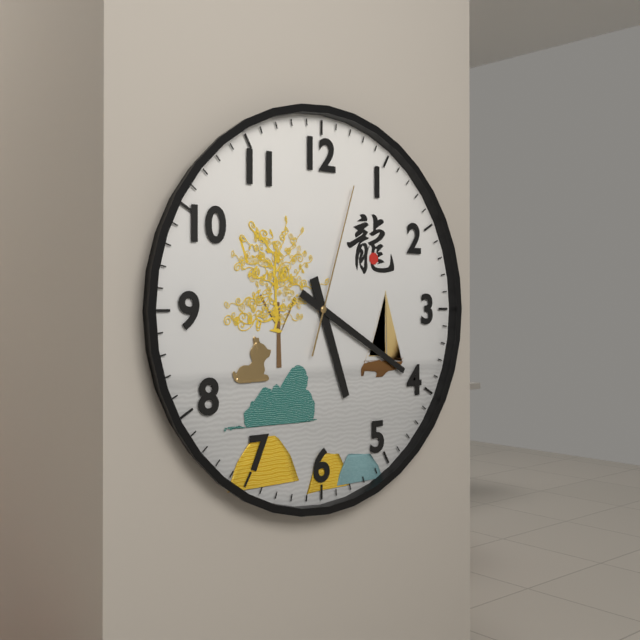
5 h 20 min 03 s
